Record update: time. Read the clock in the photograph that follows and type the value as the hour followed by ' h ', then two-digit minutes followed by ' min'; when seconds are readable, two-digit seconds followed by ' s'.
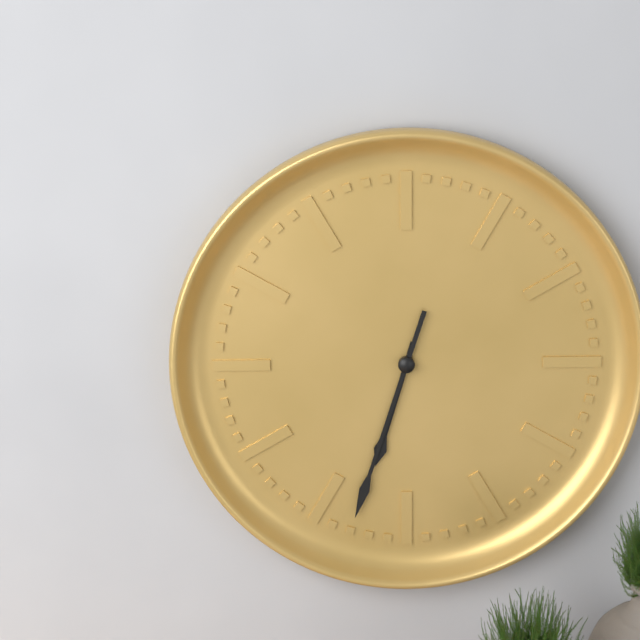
6 h 33 min
